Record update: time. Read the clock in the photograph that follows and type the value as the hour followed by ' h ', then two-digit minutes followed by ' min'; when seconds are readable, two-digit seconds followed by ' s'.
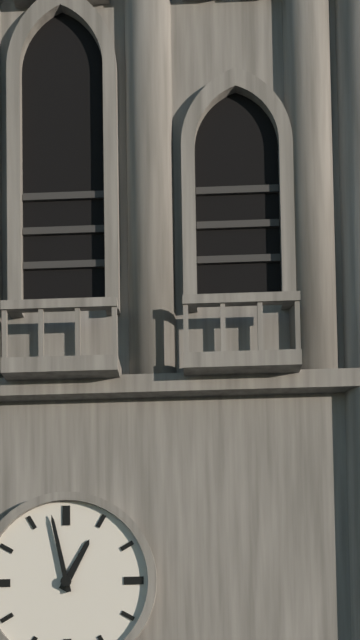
12 h 58 min
